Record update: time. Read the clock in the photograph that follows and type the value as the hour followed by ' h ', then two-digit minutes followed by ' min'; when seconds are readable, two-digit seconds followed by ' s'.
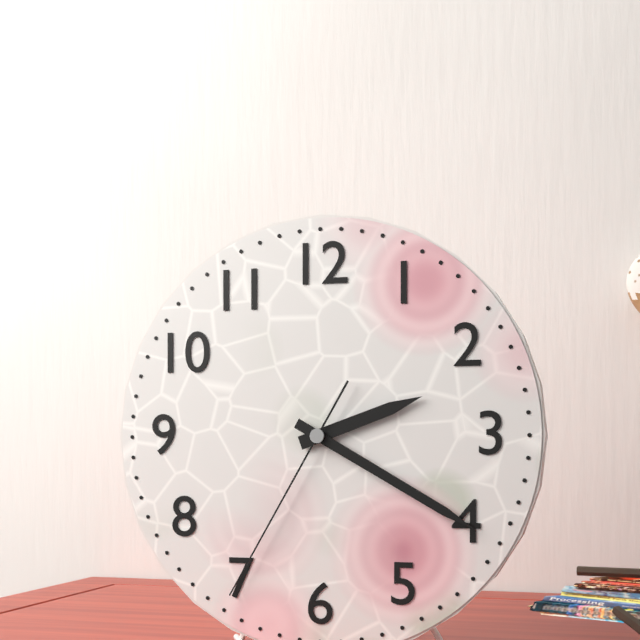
2 h 20 min 35 s
